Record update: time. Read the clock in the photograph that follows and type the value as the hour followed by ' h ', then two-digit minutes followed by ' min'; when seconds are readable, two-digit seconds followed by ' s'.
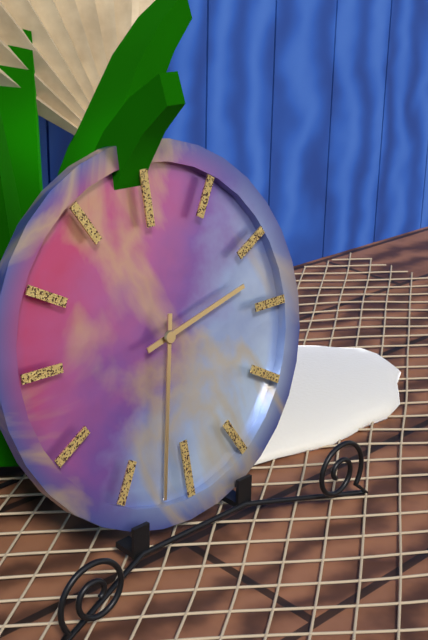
2 h 32 min
